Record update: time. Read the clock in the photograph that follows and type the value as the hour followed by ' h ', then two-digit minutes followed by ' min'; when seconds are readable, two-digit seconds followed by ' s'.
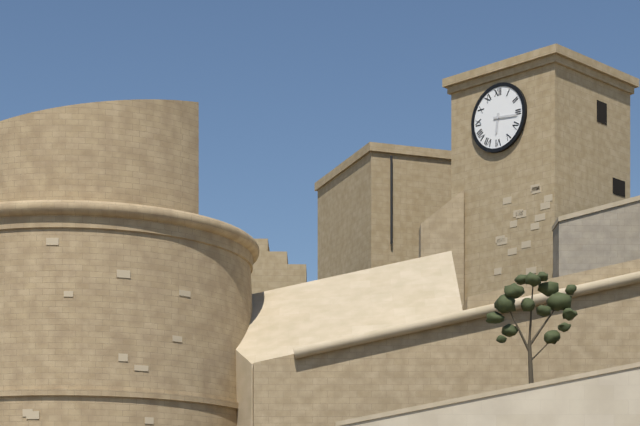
6 h 16 min
